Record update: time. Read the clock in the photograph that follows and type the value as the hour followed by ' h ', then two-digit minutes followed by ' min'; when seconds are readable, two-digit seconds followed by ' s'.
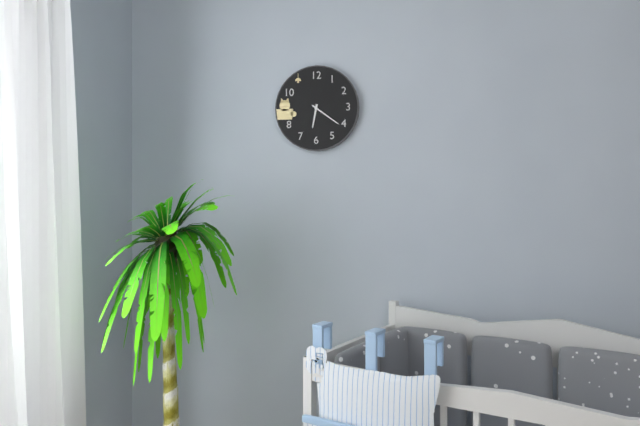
6 h 21 min
